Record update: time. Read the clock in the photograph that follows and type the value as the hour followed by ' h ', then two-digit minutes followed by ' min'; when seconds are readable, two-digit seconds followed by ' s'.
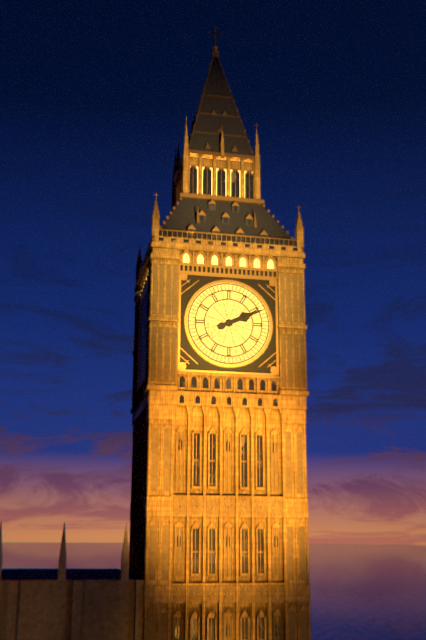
2 h 11 min
